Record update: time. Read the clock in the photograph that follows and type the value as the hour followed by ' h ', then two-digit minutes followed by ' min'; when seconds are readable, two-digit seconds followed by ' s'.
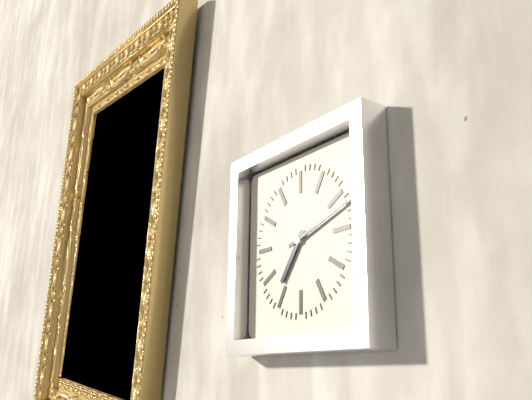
7 h 12 min
